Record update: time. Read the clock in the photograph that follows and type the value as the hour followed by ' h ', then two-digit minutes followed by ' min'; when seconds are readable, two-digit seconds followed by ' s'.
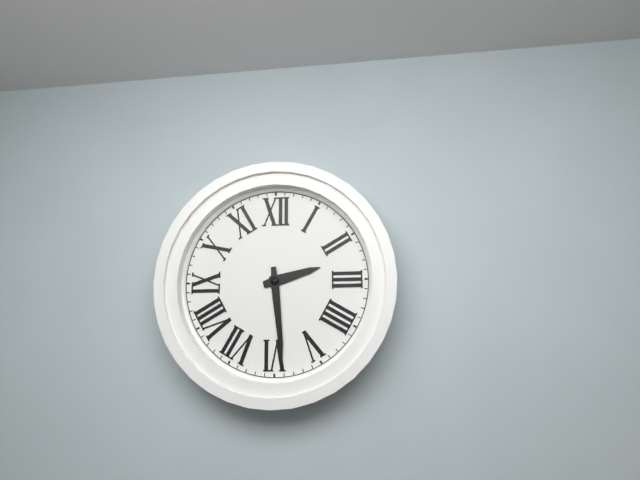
2 h 29 min
